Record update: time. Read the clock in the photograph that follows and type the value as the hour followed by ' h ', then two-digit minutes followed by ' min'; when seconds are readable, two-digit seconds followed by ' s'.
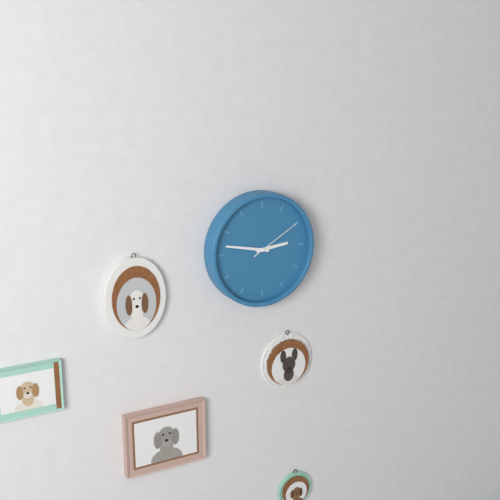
2 h 47 min 10 s
